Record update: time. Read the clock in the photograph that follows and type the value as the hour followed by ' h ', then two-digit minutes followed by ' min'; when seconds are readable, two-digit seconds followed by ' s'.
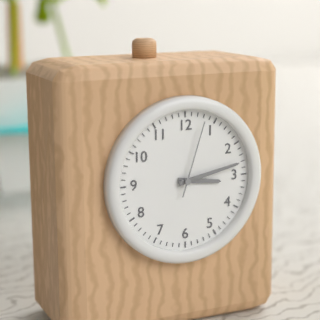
3 h 13 min 03 s
